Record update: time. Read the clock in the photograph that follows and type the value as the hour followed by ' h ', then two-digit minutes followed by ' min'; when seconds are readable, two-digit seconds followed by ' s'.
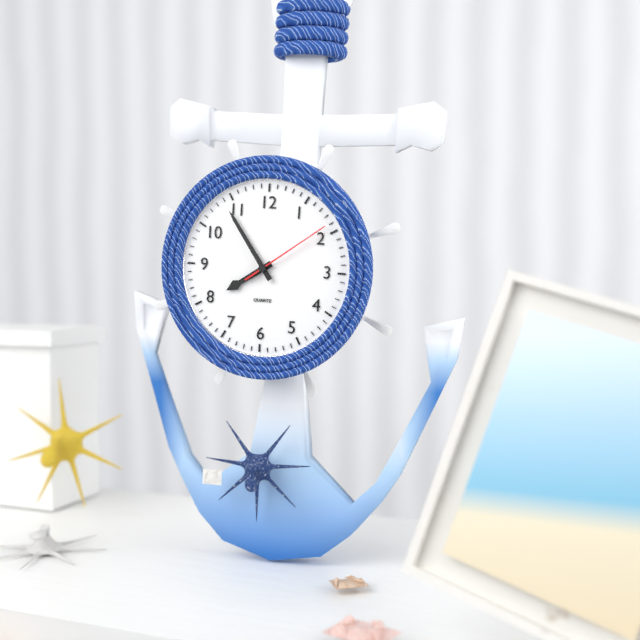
7 h 54 min 09 s
